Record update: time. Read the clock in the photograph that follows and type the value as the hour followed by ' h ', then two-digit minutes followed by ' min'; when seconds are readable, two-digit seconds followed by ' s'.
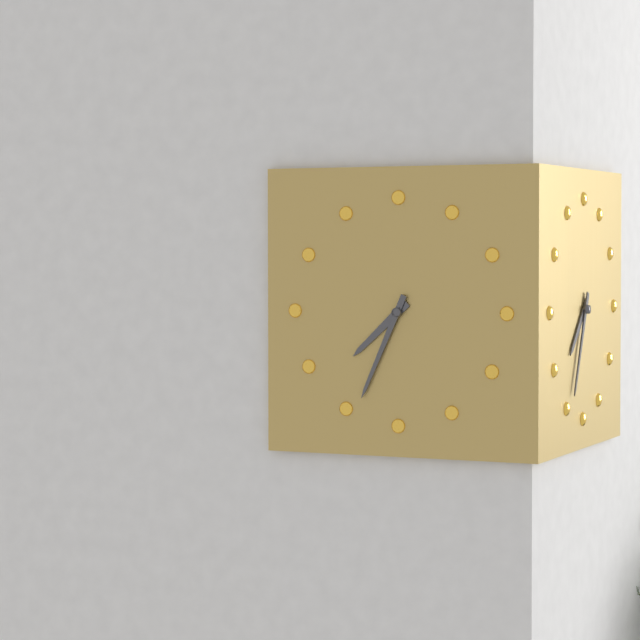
7 h 34 min
